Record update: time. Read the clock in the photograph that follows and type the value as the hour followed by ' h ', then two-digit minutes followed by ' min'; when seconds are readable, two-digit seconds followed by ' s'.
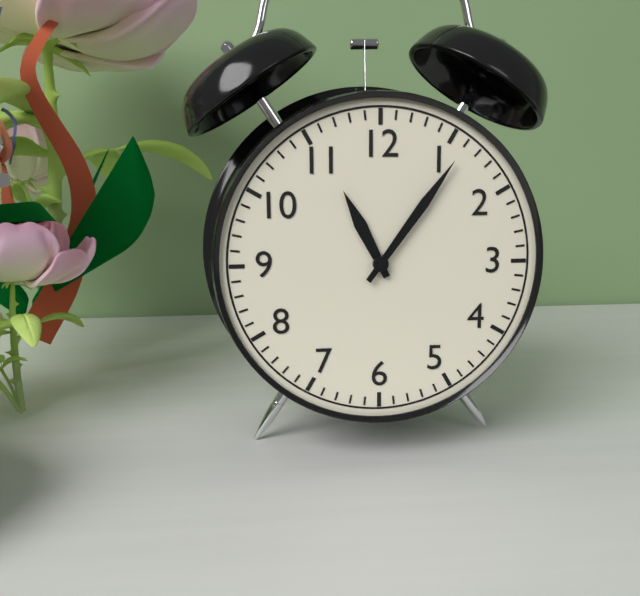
11 h 06 min
